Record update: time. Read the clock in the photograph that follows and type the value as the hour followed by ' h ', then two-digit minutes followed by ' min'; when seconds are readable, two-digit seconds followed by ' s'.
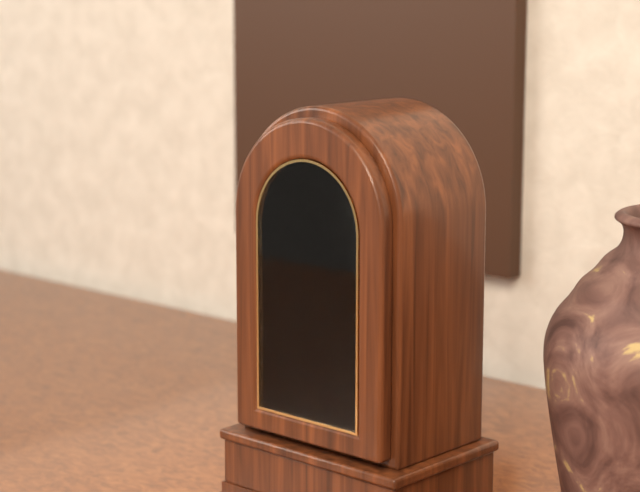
3 h 59 min
